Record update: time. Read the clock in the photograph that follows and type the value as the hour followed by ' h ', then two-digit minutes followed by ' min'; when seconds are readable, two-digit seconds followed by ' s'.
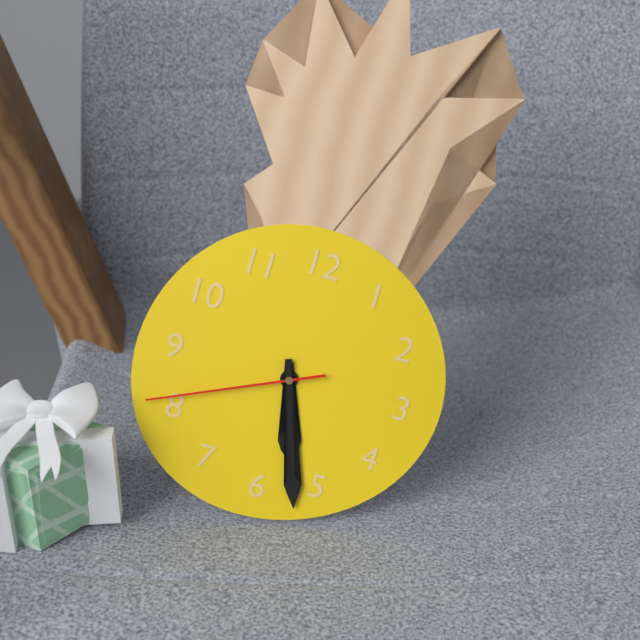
5 h 27 min 41 s
